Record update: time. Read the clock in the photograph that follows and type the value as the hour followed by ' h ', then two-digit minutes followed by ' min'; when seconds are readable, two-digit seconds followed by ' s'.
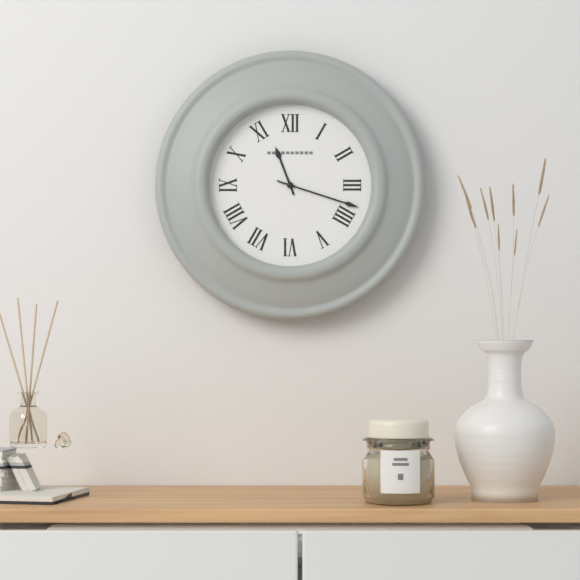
11 h 18 min
